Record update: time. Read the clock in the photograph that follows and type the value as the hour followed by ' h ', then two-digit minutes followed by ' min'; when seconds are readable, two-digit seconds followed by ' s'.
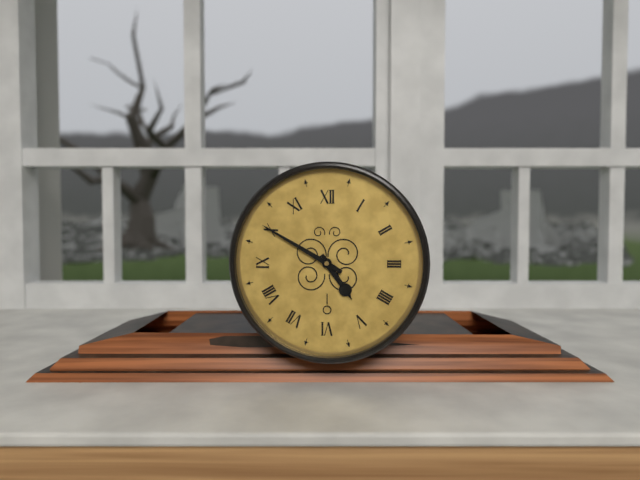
4 h 50 min
